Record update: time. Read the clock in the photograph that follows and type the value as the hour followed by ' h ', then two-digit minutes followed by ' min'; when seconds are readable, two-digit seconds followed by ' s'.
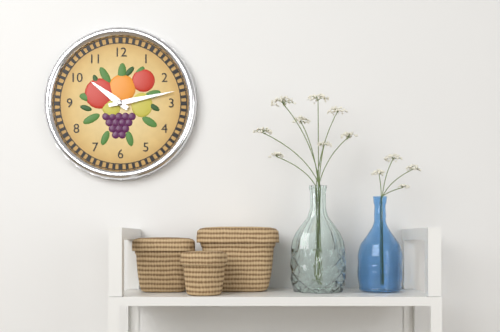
10 h 13 min
